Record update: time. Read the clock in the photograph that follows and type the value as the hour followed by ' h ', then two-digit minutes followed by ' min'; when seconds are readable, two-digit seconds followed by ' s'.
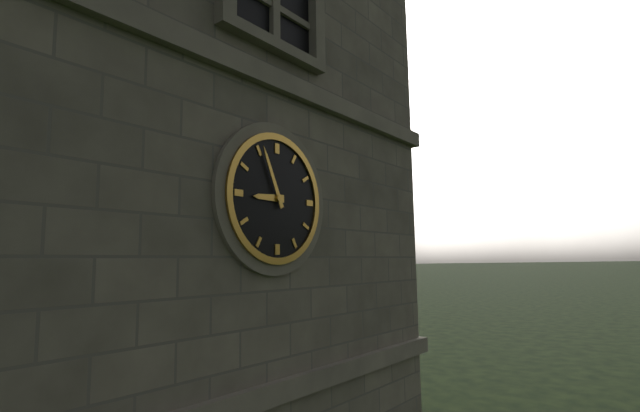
8 h 56 min
